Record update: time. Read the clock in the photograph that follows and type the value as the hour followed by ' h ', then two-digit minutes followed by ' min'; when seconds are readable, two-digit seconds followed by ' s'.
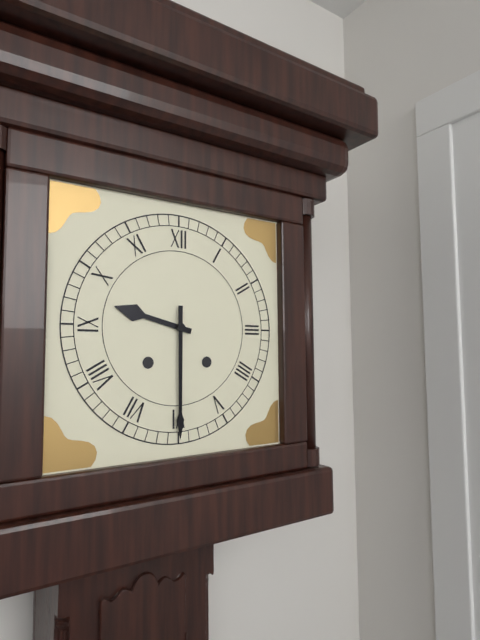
9 h 30 min
